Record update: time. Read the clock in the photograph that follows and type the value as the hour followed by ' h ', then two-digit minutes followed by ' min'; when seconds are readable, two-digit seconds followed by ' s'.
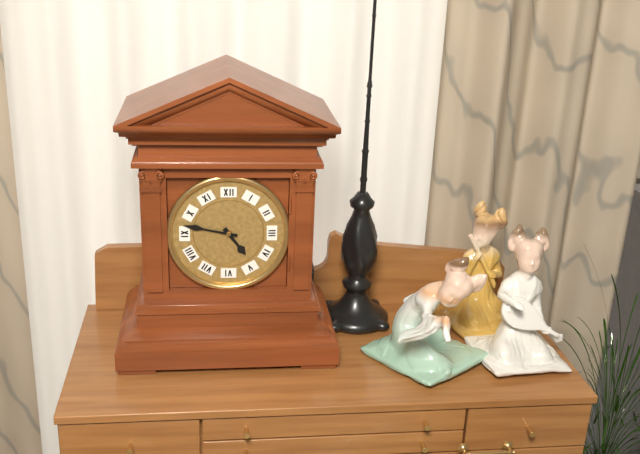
4 h 47 min
